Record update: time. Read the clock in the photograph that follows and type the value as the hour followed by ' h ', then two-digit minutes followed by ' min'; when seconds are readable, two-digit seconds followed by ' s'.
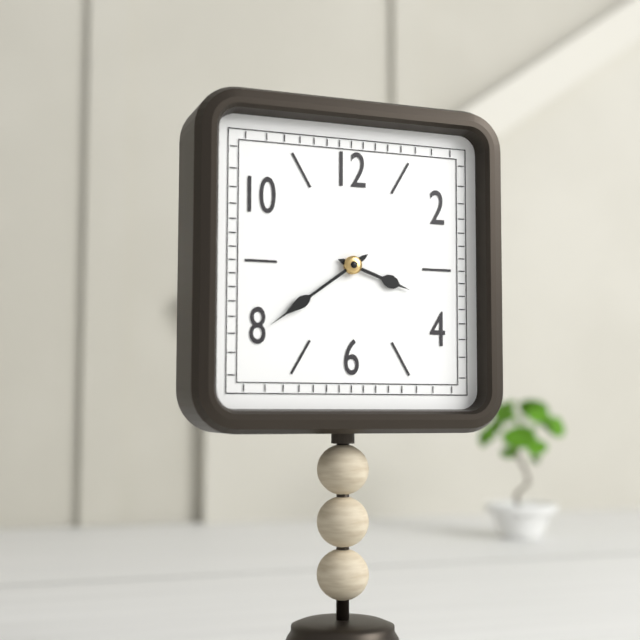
3 h 39 min
